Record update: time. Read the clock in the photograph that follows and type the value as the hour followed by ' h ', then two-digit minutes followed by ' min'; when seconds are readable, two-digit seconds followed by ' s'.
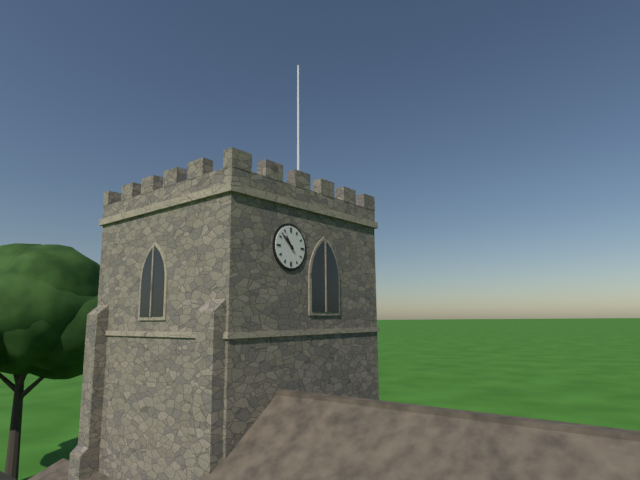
10 h 52 min
